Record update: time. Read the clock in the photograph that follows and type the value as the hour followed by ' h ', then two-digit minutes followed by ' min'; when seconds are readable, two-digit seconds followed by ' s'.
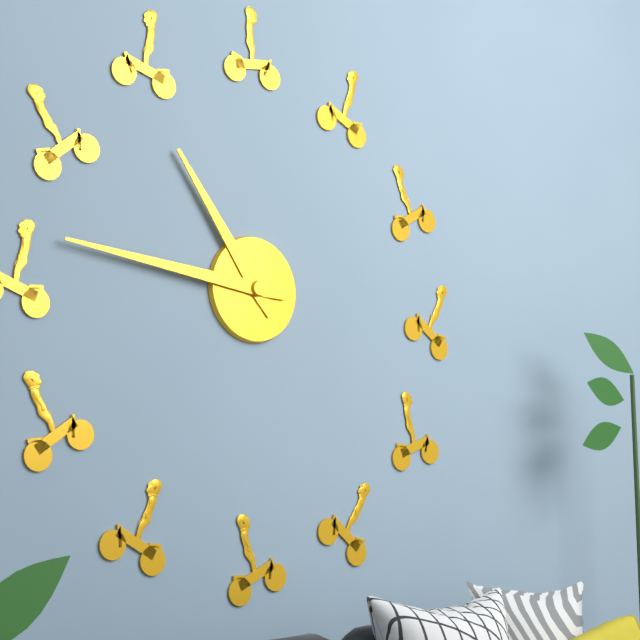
10 h 46 min
